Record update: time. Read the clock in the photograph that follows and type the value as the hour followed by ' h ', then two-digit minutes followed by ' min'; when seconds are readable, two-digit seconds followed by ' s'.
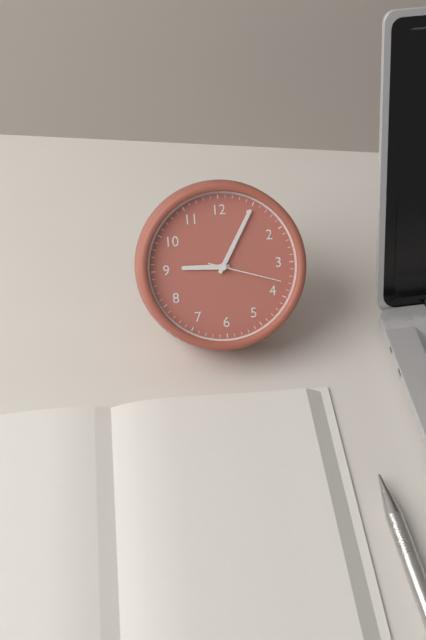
9 h 05 min 18 s
